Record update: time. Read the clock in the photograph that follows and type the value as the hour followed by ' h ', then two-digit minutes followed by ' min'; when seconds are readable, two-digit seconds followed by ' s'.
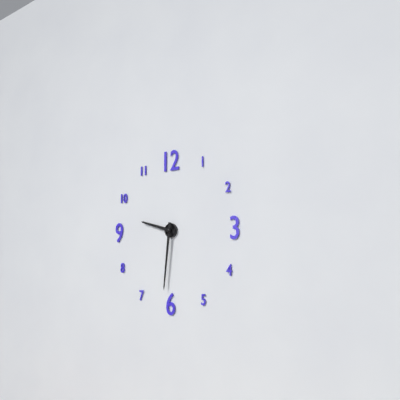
9 h 31 min
